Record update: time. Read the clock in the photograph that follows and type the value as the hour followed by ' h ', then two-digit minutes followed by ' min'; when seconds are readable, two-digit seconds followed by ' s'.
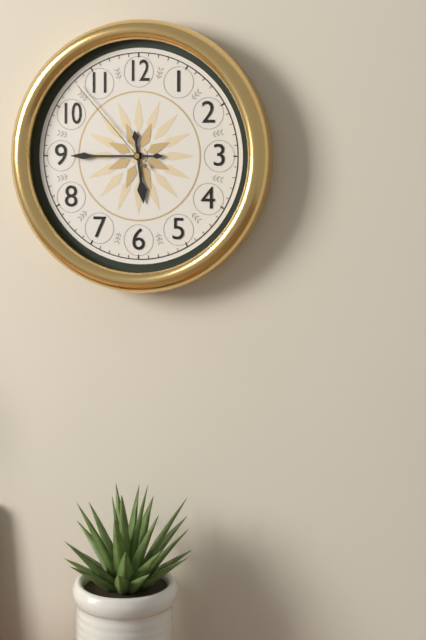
5 h 45 min 53 s
